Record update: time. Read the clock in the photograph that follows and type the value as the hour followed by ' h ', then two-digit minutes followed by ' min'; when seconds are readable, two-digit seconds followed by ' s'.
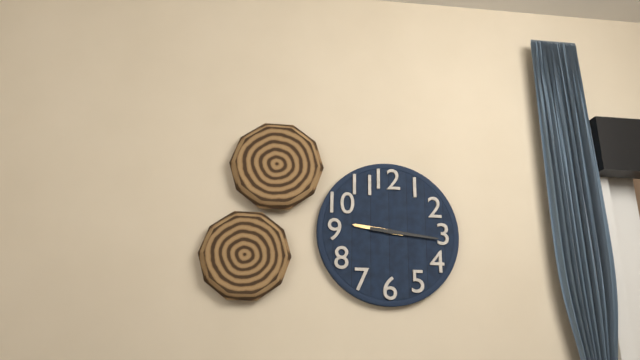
9 h 16 min
